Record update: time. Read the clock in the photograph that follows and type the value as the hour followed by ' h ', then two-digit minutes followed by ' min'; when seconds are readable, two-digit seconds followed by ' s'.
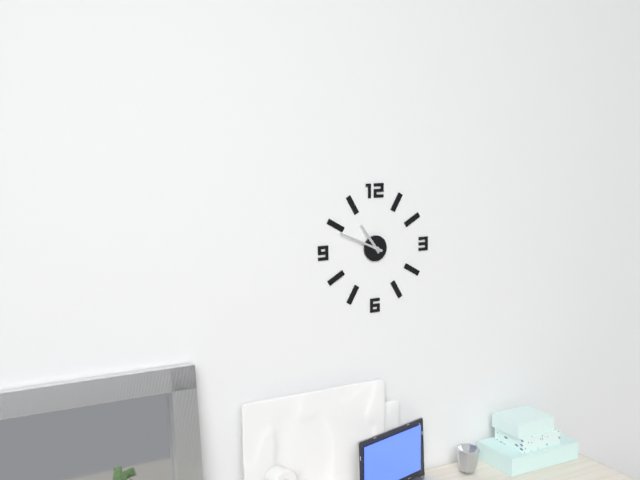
10 h 49 min
